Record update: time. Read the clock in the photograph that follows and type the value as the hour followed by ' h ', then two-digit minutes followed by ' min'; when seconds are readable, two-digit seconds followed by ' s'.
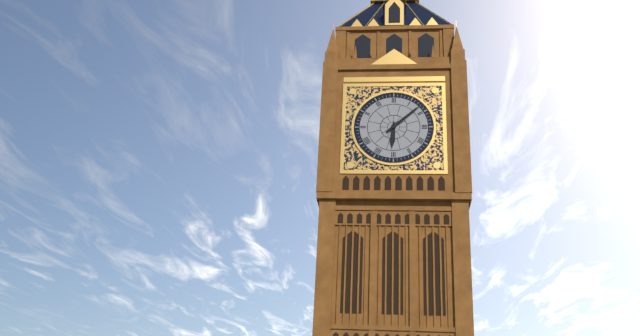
6 h 08 min
